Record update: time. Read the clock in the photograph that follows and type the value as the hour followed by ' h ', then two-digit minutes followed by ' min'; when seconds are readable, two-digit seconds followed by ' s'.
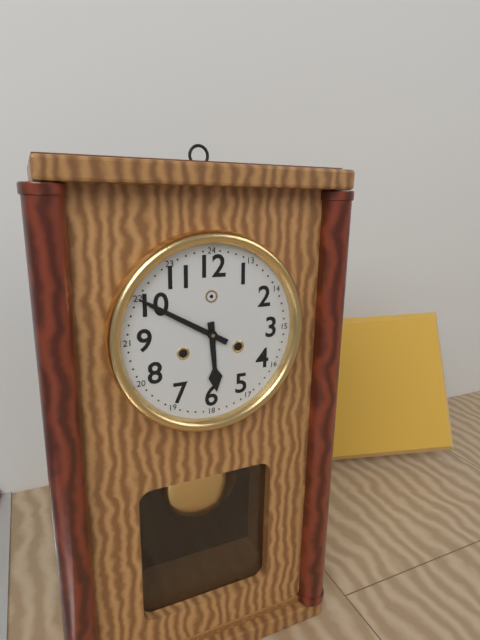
5 h 50 min
